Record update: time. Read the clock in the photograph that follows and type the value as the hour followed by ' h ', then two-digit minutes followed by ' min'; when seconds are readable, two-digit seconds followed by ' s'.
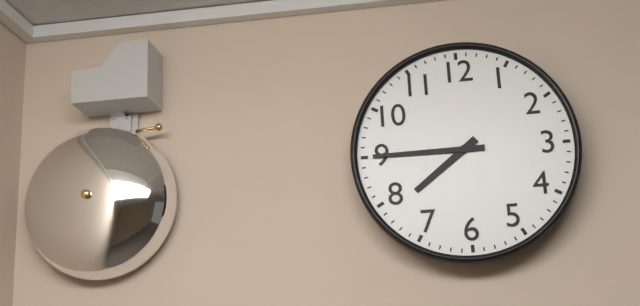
7 h 45 min
